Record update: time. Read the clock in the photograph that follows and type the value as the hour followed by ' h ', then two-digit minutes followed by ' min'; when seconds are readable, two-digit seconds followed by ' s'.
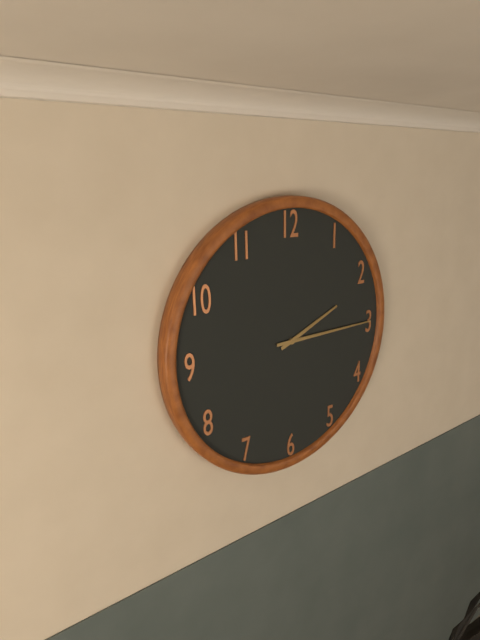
2 h 15 min
